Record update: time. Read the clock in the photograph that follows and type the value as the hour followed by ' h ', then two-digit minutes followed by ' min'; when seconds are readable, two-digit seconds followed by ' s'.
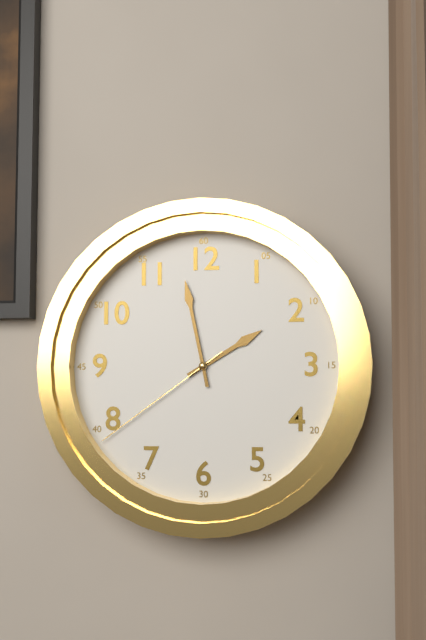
1 h 58 min 39 s
